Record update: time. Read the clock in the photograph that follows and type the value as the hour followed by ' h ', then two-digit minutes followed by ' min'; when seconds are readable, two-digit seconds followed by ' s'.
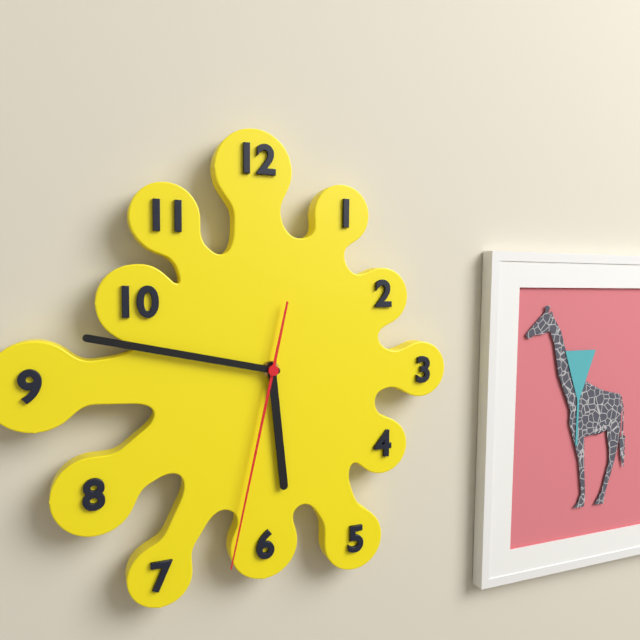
5 h 47 min 32 s
